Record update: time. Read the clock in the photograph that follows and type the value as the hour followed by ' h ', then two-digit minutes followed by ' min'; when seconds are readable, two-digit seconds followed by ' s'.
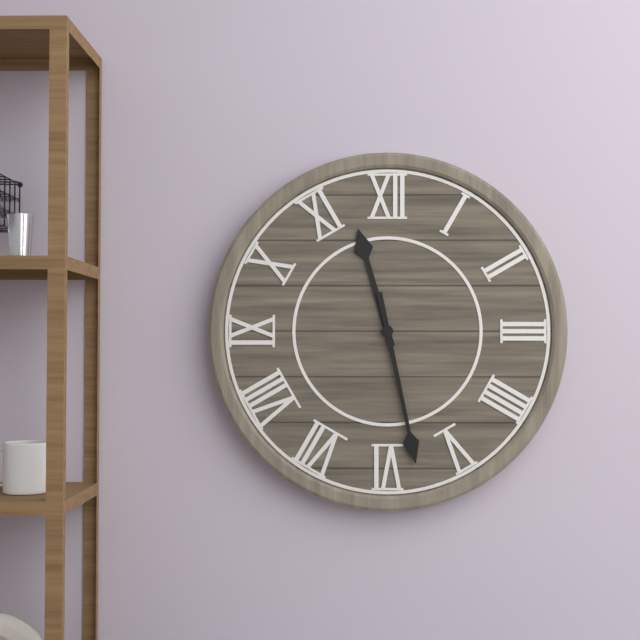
11 h 28 min
